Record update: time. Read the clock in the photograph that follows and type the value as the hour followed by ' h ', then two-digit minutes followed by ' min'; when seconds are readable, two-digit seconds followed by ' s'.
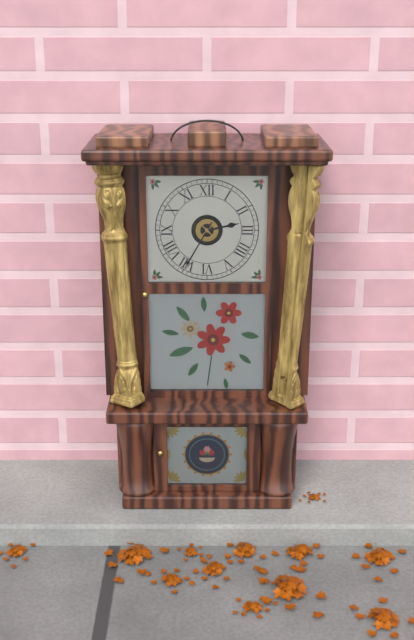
2 h 35 min
